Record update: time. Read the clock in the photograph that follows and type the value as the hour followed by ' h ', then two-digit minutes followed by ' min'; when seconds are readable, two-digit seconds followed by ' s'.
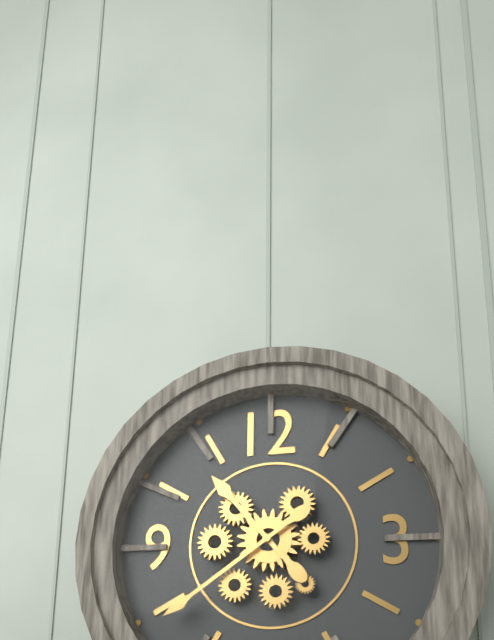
10 h 39 min
